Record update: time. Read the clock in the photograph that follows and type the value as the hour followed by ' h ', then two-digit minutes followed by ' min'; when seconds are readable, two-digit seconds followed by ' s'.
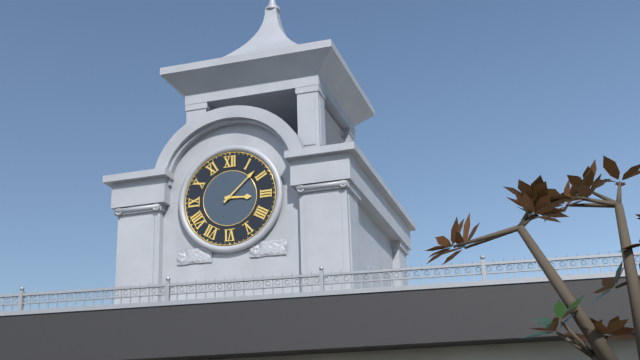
3 h 08 min
